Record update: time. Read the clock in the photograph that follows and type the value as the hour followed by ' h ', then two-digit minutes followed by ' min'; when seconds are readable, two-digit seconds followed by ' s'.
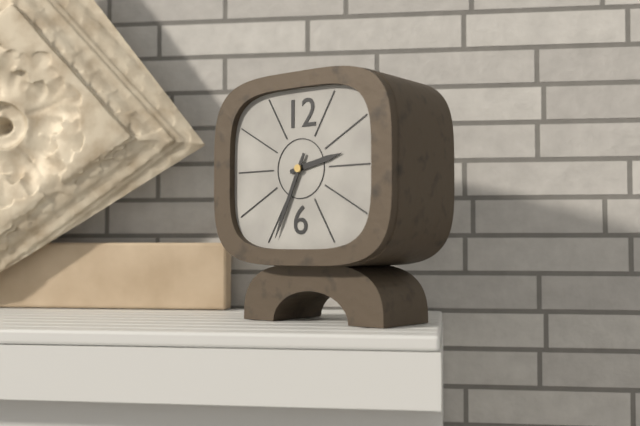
2 h 34 min
